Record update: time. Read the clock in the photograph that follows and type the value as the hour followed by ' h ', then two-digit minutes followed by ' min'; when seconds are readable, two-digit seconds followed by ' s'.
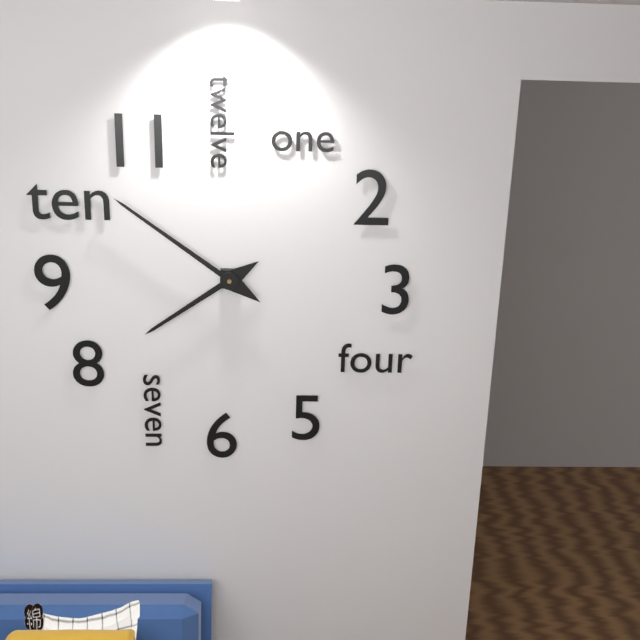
7 h 51 min
